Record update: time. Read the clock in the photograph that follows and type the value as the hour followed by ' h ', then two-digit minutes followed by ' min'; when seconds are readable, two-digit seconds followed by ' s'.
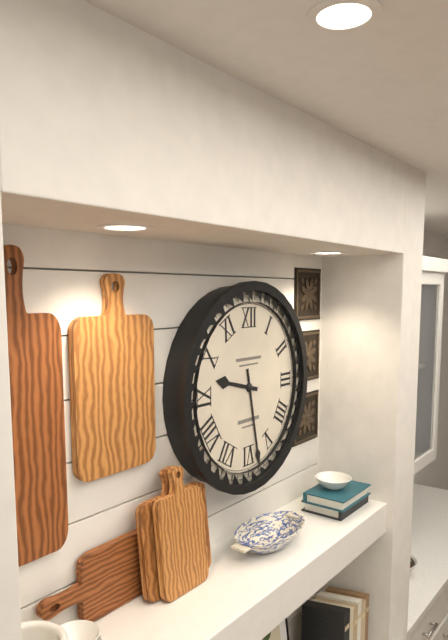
9 h 28 min
